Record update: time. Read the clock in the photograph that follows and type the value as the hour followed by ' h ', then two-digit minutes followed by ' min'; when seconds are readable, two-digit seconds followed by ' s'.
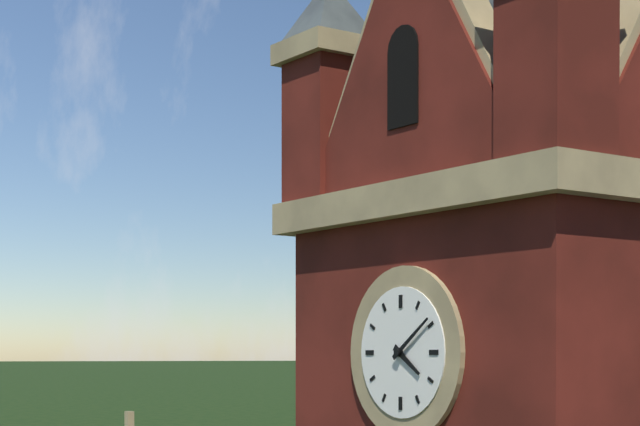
4 h 09 min
